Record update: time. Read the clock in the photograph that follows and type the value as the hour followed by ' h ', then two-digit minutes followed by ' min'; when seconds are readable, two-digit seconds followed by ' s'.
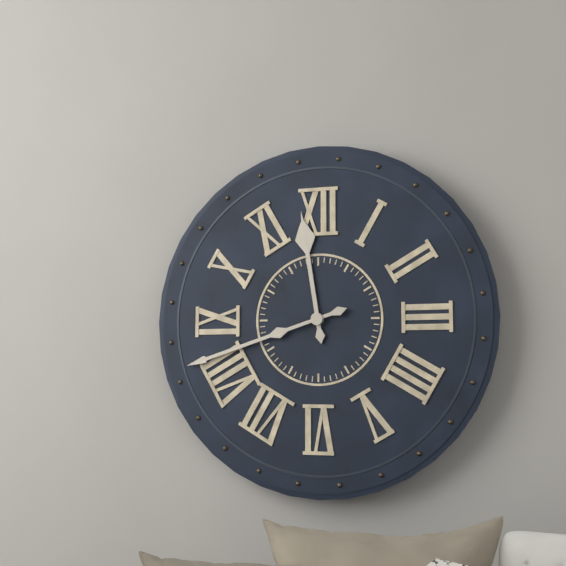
11 h 42 min
